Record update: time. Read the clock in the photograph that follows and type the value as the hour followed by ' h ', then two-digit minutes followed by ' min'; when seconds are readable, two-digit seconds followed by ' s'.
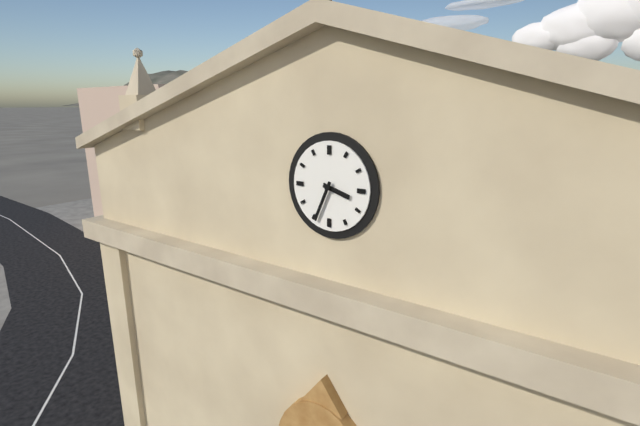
3 h 34 min
